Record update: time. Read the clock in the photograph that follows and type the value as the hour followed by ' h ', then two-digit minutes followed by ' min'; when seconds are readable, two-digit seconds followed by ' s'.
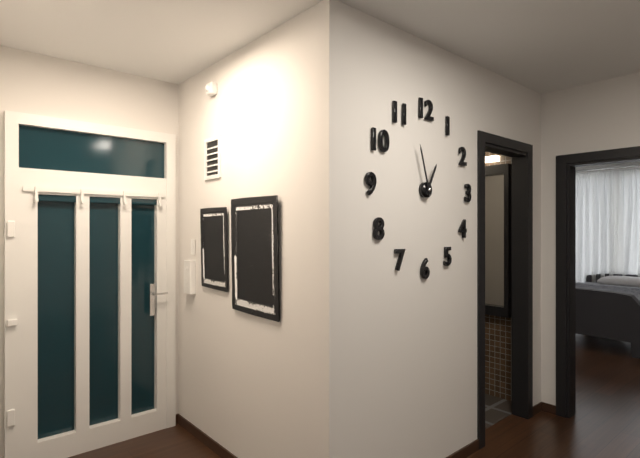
12 h 57 min
